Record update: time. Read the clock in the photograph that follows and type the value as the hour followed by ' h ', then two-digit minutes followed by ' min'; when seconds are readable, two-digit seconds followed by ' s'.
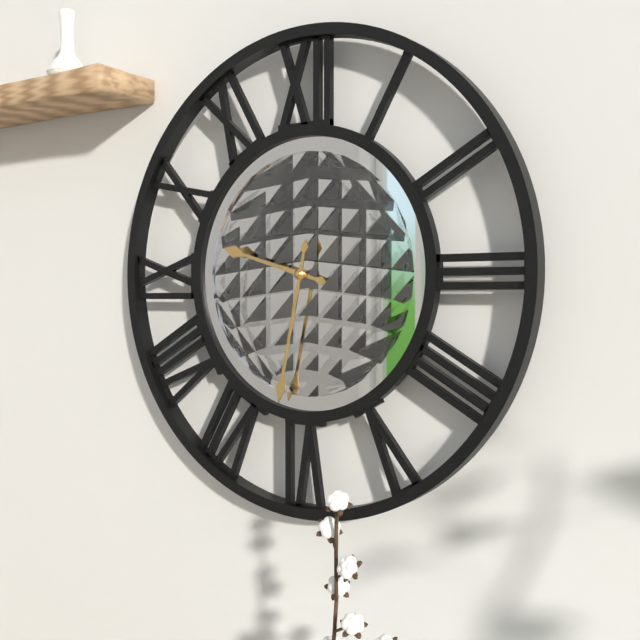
9 h 32 min
